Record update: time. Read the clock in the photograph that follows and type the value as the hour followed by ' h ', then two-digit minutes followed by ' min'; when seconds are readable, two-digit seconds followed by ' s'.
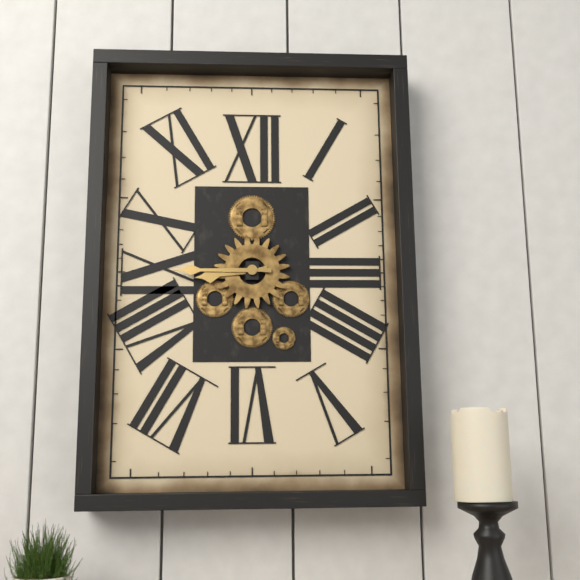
8 h 45 min
